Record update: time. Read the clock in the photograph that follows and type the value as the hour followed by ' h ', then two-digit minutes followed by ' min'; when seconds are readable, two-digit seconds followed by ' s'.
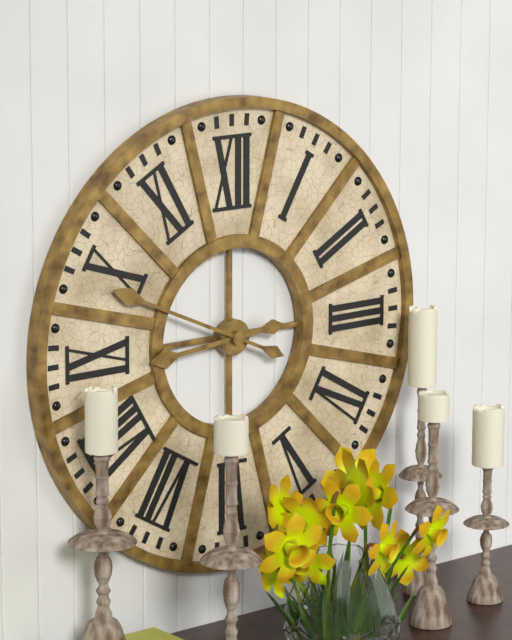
8 h 49 min
